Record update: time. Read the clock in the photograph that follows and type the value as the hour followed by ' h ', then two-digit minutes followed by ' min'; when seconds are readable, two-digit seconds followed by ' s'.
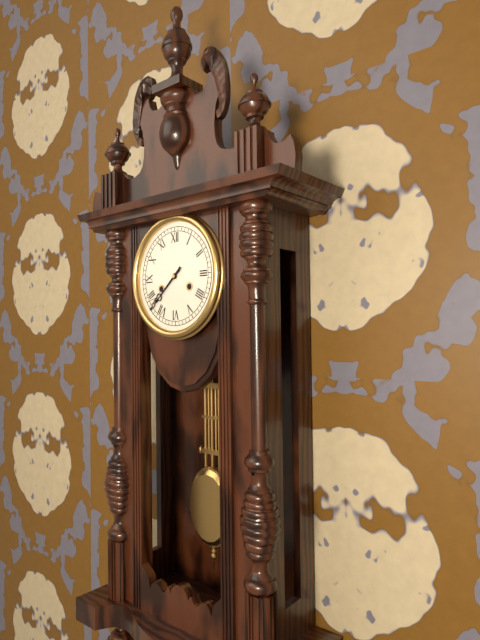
7 h 38 min
